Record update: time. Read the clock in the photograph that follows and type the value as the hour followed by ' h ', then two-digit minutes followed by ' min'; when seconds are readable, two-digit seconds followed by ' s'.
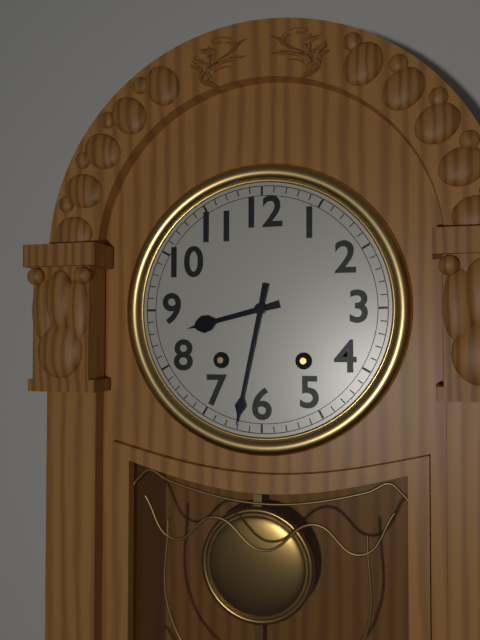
8 h 32 min
